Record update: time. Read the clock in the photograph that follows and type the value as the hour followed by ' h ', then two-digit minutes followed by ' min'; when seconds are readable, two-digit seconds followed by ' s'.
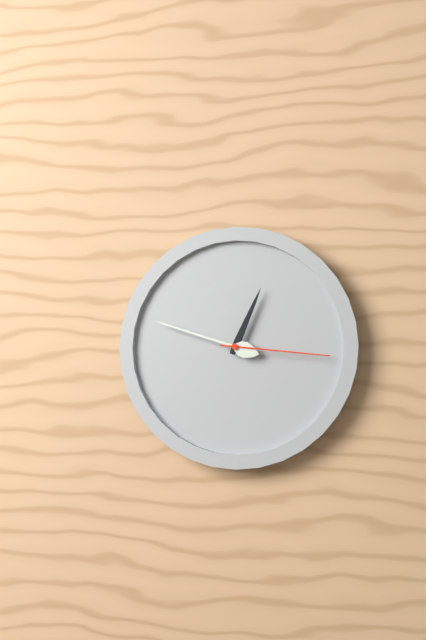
12 h 48 min 16 s
